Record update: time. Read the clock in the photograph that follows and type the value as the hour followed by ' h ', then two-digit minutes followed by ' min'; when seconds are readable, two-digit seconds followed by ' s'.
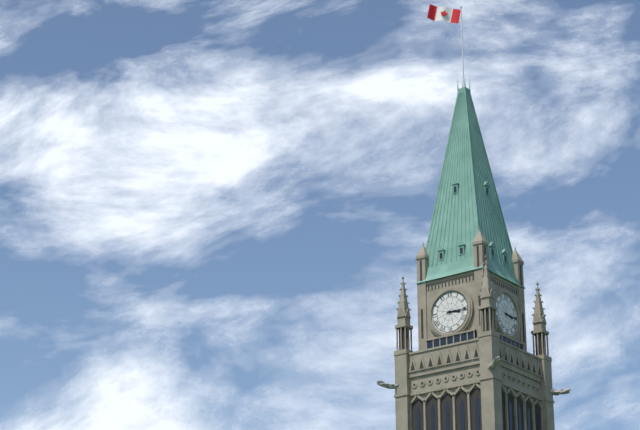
3 h 15 min
